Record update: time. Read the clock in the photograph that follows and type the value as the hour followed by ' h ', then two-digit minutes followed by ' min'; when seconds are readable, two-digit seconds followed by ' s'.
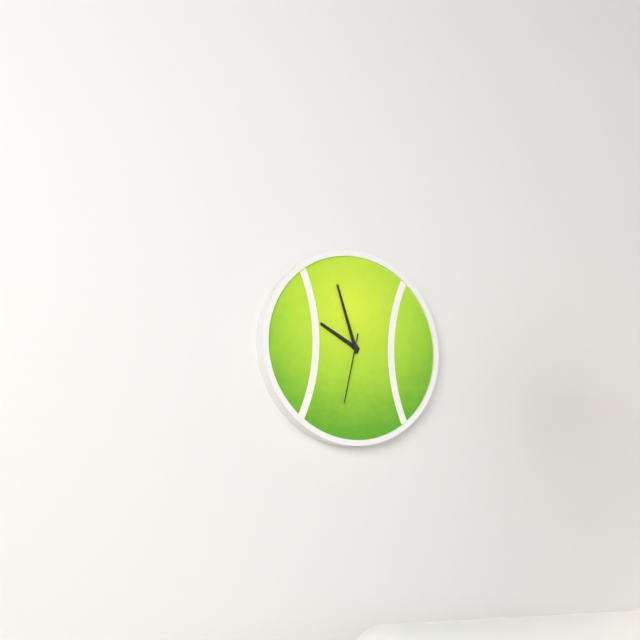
9 h 57 min 32 s
